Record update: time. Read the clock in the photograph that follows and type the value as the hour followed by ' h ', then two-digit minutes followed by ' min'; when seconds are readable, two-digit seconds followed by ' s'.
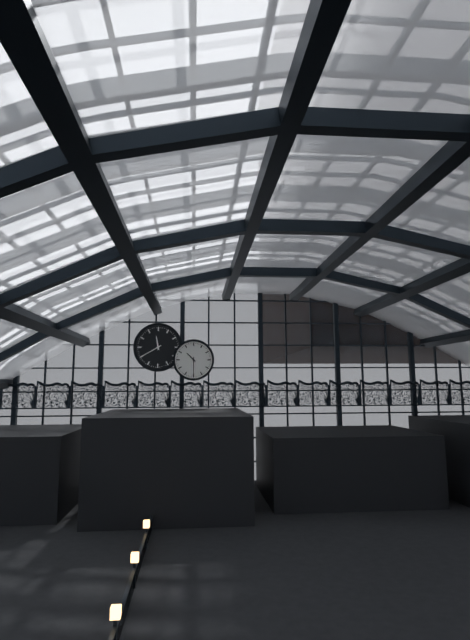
10 h 30 min
